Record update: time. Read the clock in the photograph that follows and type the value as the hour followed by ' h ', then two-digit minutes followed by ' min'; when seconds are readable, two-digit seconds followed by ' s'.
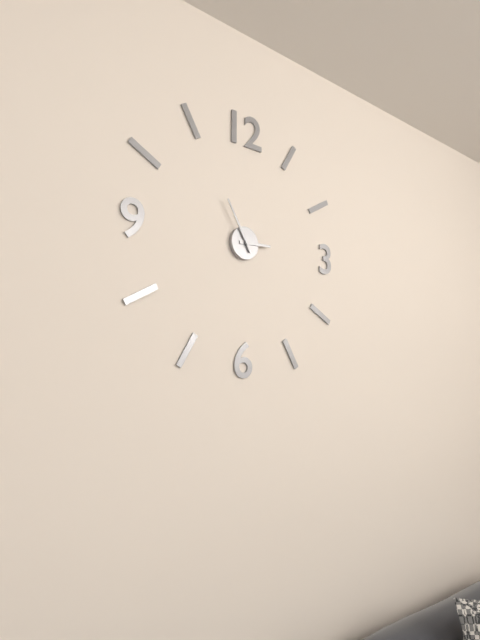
2 h 55 min
